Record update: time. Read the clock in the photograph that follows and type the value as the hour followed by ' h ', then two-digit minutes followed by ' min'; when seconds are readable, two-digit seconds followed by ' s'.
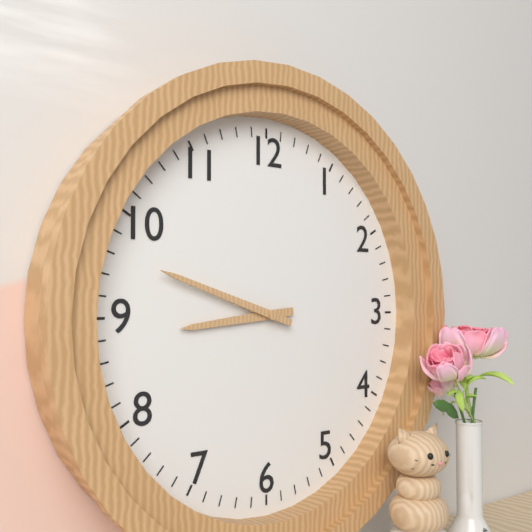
8 h 48 min
